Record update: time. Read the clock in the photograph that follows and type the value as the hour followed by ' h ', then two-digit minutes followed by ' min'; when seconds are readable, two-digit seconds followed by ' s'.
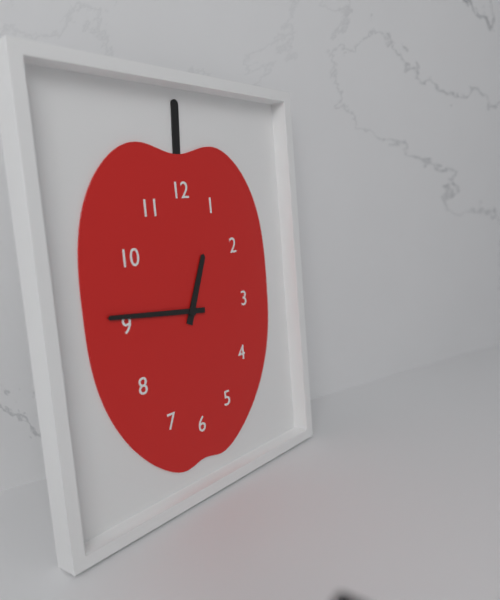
12 h 46 min
